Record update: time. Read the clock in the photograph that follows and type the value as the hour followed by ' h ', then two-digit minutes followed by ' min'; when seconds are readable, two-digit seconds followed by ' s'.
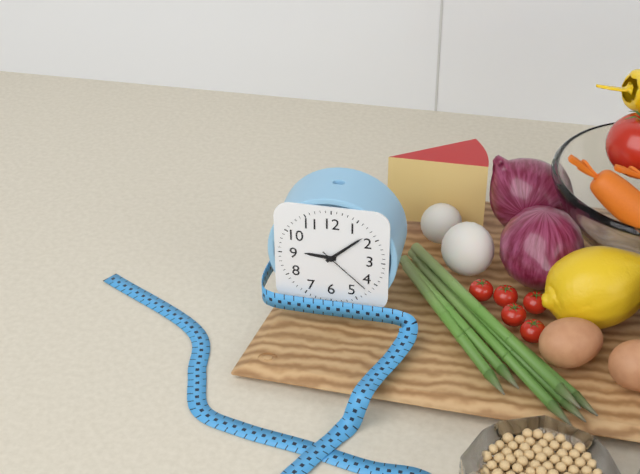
9 h 08 min 22 s
